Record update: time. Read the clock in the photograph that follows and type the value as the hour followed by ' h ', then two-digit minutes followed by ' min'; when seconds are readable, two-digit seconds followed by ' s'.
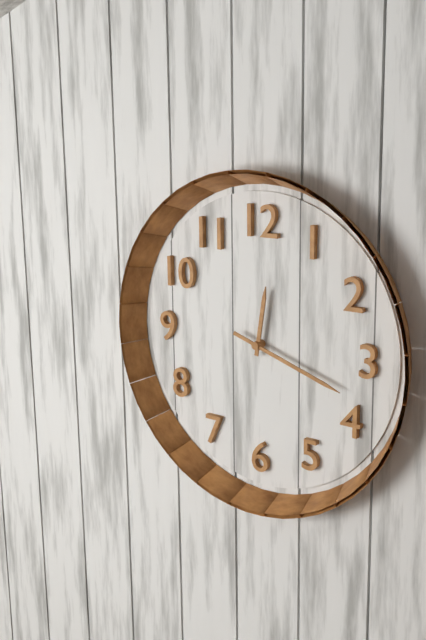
12 h 18 min
